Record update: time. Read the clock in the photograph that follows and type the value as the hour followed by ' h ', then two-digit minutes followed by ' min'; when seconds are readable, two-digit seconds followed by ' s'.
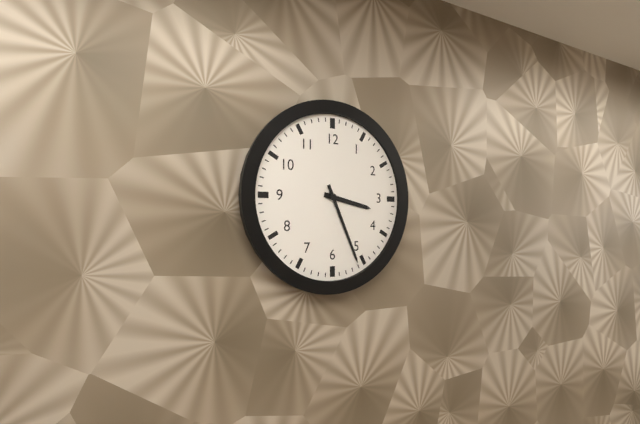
3 h 26 min
